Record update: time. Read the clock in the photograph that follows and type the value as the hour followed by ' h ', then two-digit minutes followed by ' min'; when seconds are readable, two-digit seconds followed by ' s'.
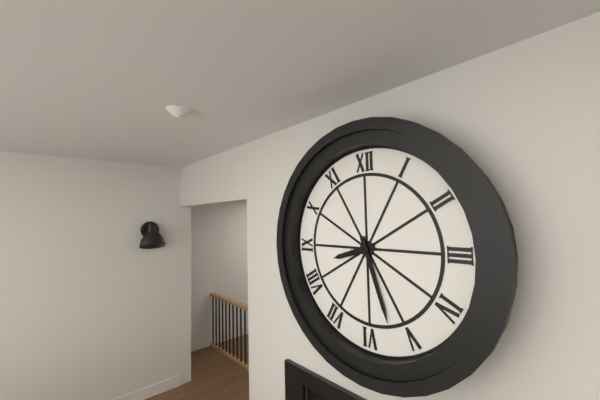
8 h 27 min
